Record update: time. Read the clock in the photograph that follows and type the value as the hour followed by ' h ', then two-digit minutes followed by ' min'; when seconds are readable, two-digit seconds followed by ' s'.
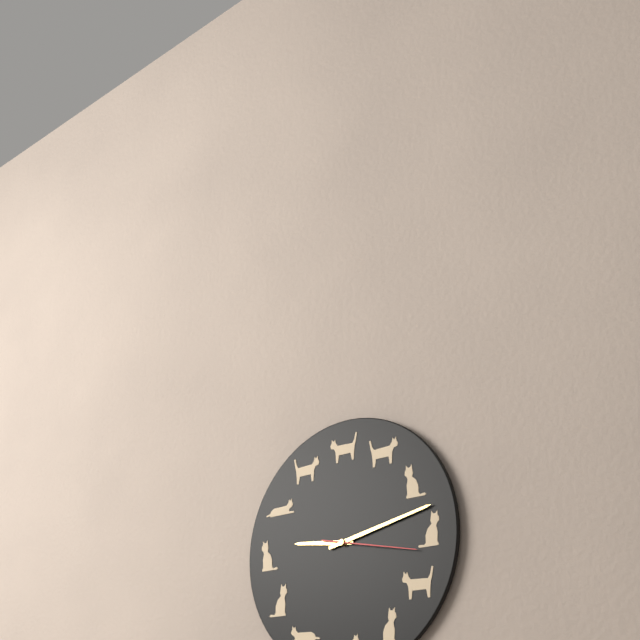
9 h 13 min 17 s
